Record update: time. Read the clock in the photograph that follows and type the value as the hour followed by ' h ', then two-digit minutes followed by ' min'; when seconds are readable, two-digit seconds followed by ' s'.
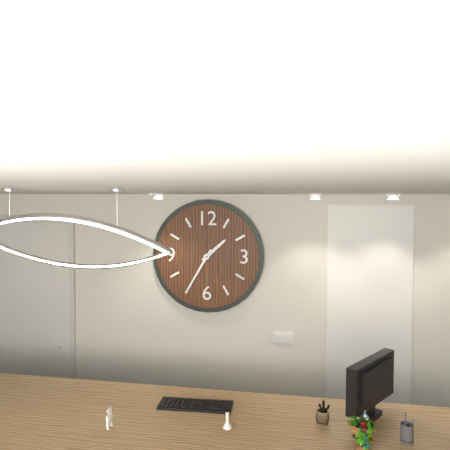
1 h 35 min
